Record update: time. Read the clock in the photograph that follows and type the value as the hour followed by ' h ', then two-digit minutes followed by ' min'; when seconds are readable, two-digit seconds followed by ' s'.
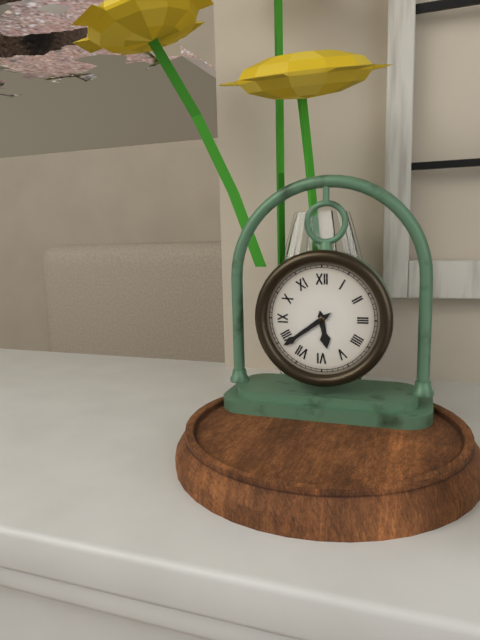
5 h 39 min
